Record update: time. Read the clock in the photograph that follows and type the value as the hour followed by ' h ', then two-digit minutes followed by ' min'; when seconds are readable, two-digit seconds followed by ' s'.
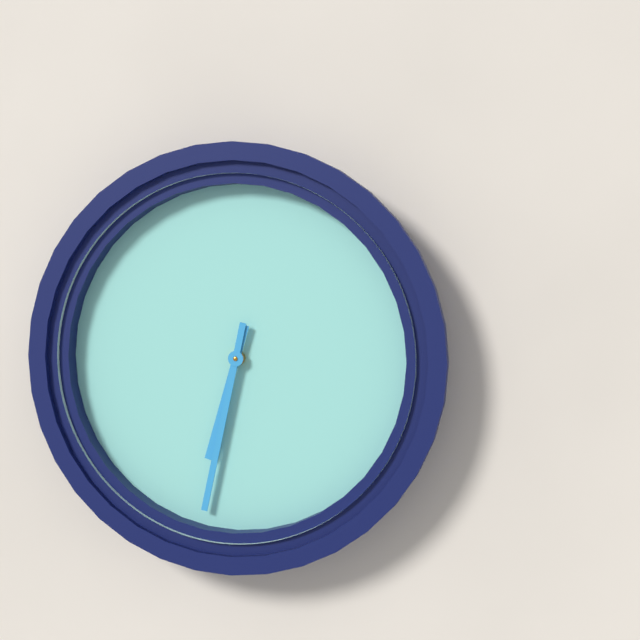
6 h 32 min
